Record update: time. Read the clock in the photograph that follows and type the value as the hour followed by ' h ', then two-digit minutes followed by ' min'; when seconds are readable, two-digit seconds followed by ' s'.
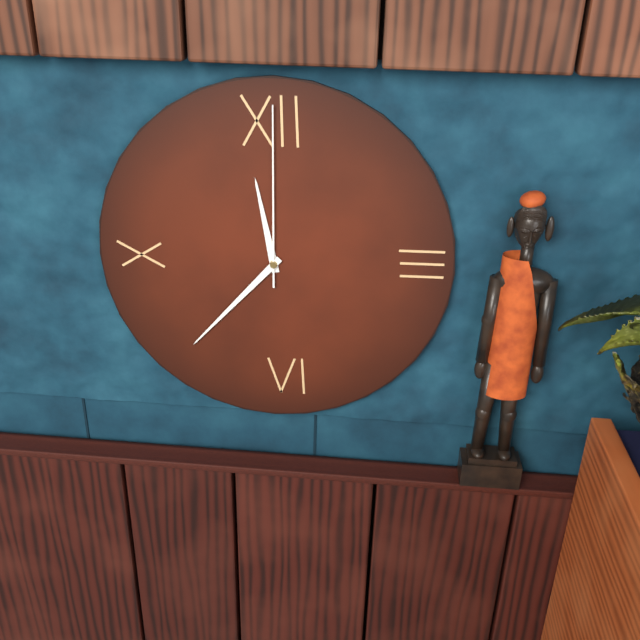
11 h 37 min 00 s
